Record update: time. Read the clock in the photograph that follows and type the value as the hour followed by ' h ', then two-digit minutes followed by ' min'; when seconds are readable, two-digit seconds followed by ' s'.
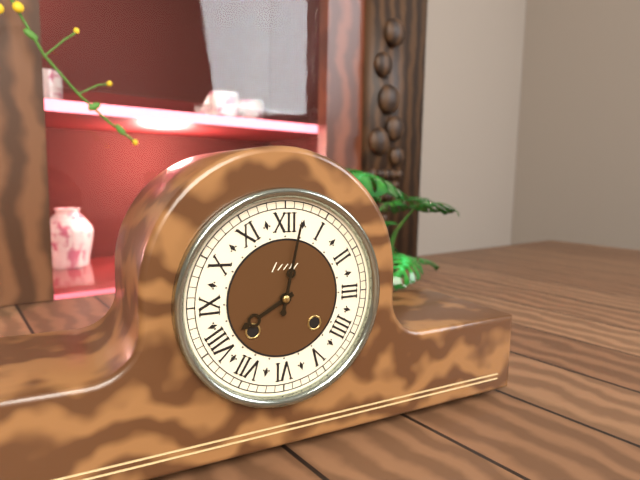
8 h 02 min
